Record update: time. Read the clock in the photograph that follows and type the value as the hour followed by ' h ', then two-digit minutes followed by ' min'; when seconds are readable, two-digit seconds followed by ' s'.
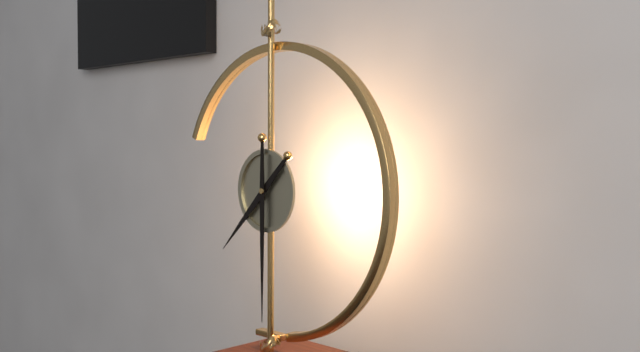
7 h 30 min
